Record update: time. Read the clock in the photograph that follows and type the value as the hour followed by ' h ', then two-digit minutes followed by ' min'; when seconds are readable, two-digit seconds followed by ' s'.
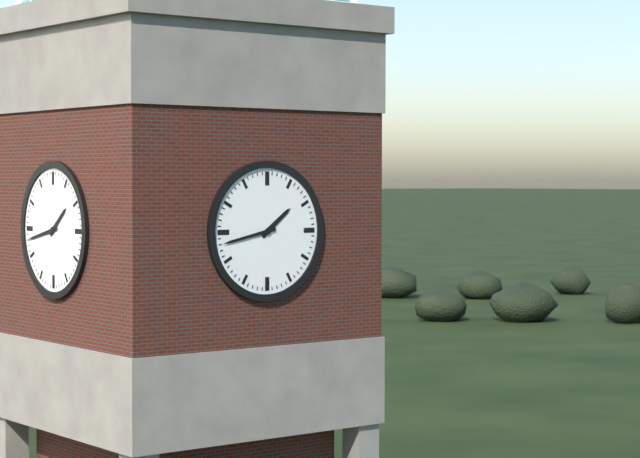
1 h 43 min
